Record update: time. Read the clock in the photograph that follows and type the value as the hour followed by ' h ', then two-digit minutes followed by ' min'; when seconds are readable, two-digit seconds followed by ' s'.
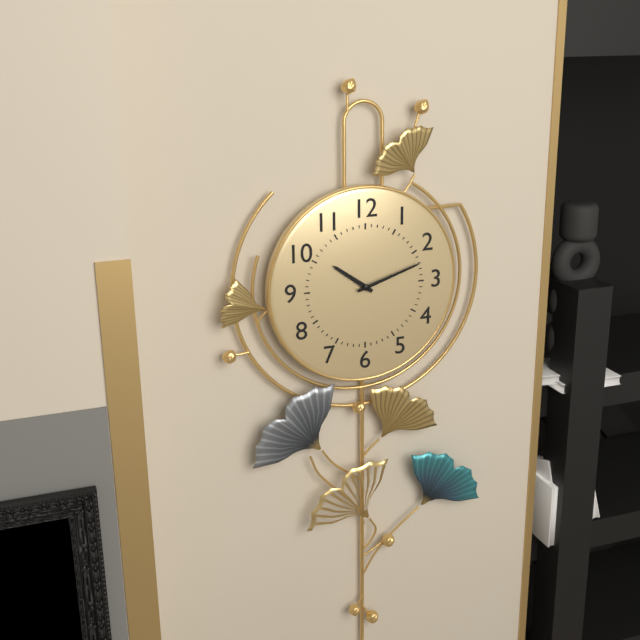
10 h 12 min
